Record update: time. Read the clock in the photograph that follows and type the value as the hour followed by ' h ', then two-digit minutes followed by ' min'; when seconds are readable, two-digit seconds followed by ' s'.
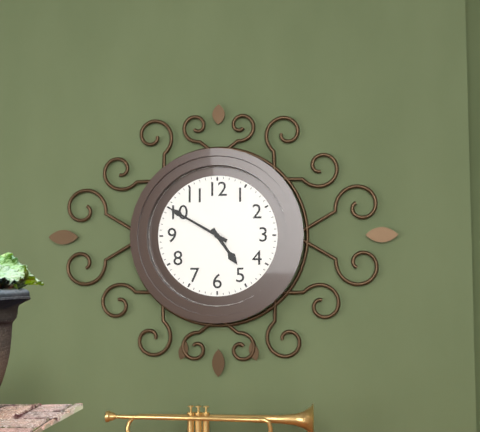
4 h 50 min
